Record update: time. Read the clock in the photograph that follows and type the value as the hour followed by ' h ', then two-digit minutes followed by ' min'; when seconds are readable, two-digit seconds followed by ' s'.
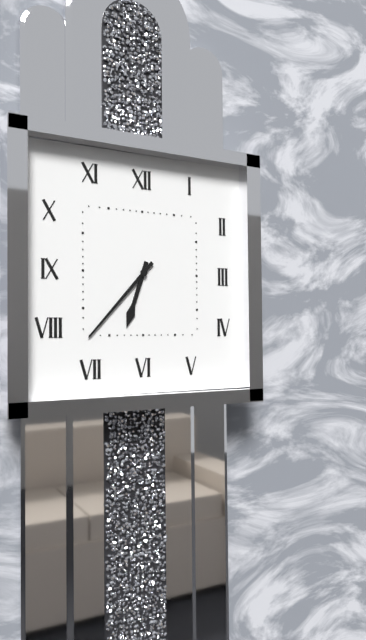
6 h 37 min
